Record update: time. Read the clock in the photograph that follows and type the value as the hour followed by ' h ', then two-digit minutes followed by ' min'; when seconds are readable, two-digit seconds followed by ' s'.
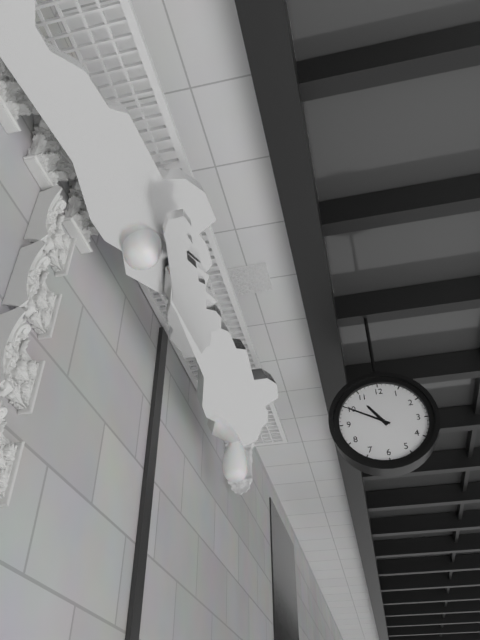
10 h 50 min
